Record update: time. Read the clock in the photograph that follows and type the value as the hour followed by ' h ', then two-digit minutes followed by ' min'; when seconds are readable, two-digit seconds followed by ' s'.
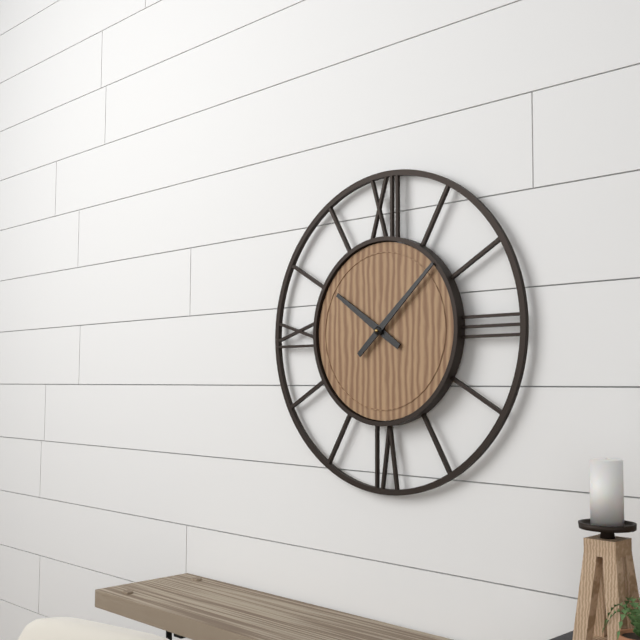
10 h 08 min
